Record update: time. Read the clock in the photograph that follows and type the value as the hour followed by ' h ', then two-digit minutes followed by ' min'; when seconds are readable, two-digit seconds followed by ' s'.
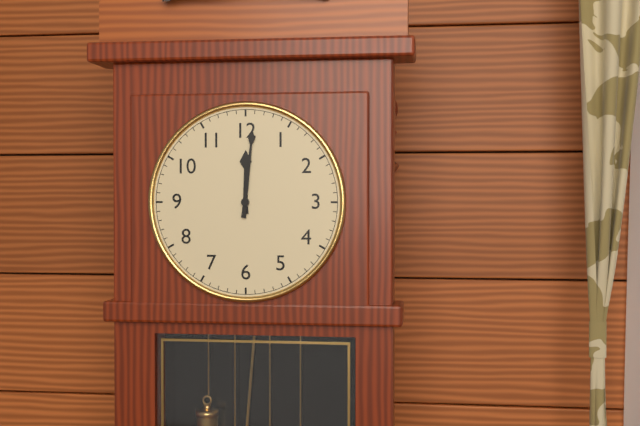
12 h 01 min
